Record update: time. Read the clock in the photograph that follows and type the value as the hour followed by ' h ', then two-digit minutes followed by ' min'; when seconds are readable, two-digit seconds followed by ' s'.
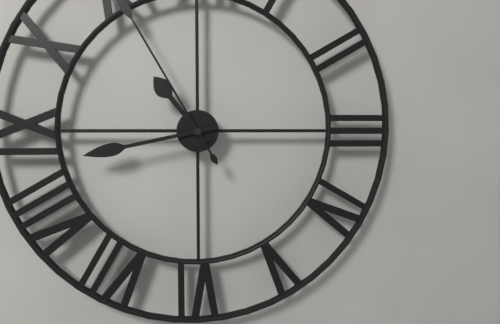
10 h 43 min
